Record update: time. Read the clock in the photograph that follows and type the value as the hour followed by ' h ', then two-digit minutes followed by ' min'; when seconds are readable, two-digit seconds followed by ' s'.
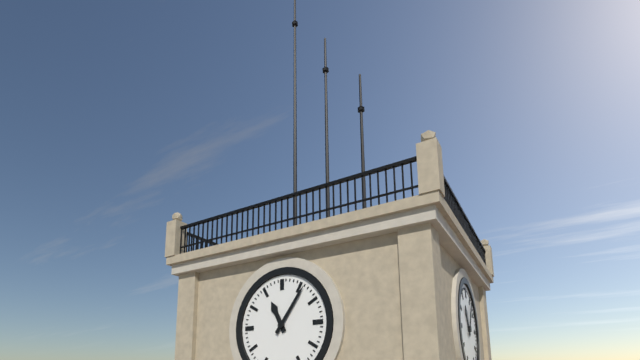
11 h 06 min
